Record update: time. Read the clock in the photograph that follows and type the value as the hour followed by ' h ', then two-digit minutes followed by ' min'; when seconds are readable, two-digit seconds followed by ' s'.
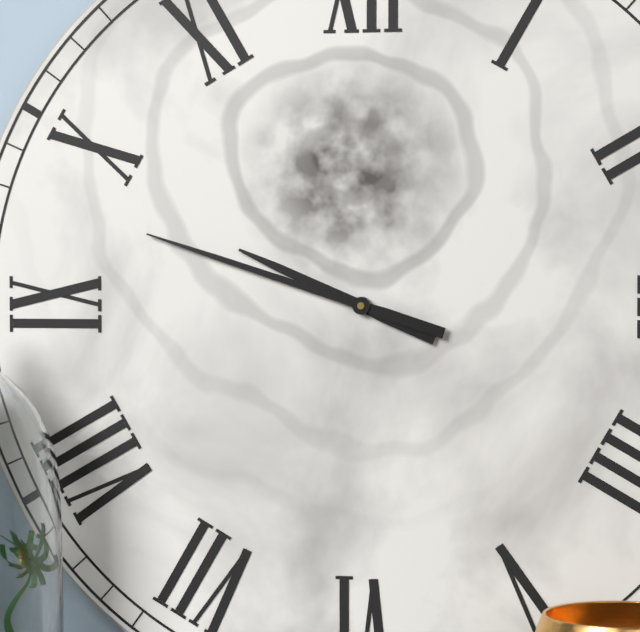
9 h 48 min
